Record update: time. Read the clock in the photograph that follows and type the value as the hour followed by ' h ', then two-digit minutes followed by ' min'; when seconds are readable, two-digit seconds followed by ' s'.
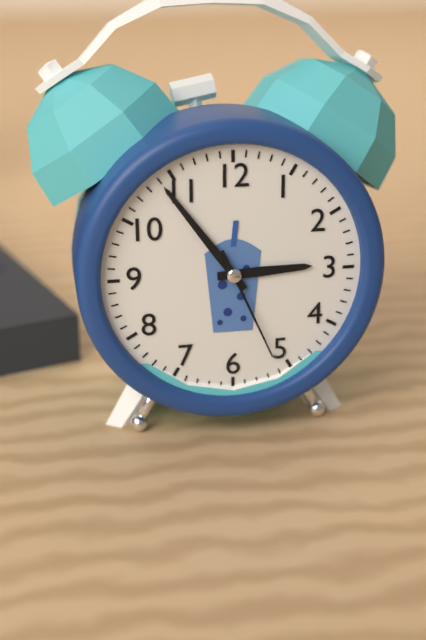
2 h 54 min 26 s
